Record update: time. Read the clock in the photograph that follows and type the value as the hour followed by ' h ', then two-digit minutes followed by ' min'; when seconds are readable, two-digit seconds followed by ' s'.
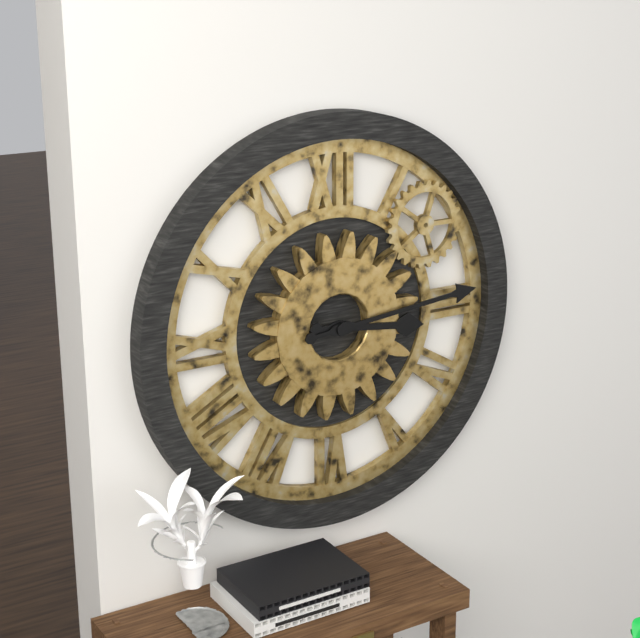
3 h 14 min
